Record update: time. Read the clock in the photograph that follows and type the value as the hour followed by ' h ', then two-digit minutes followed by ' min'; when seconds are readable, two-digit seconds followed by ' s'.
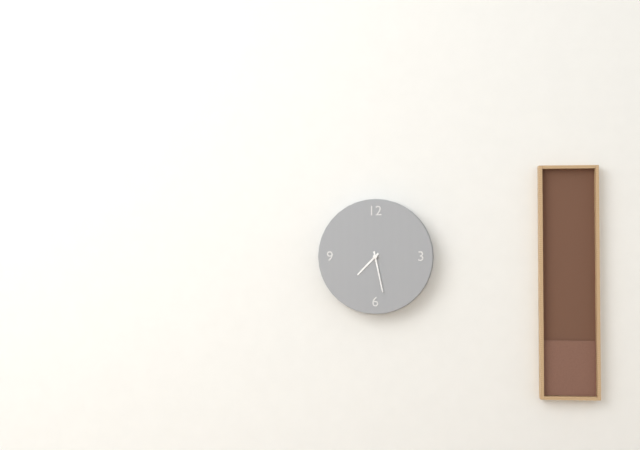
7 h 28 min
